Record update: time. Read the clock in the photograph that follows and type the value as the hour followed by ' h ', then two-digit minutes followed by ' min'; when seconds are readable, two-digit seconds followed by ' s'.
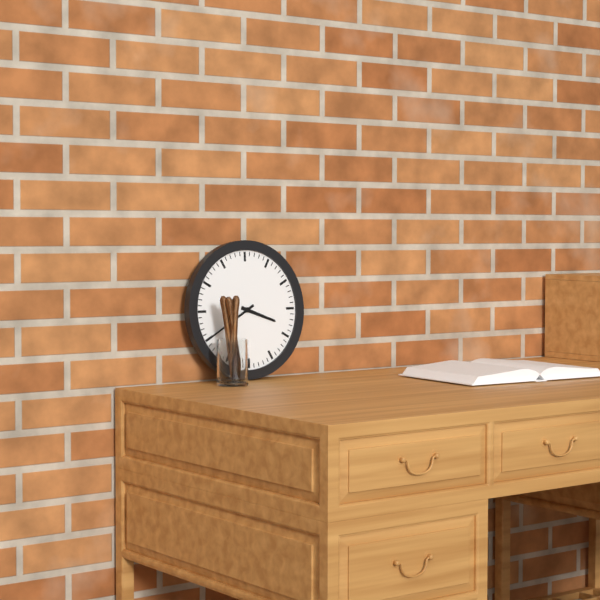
3 h 40 min
